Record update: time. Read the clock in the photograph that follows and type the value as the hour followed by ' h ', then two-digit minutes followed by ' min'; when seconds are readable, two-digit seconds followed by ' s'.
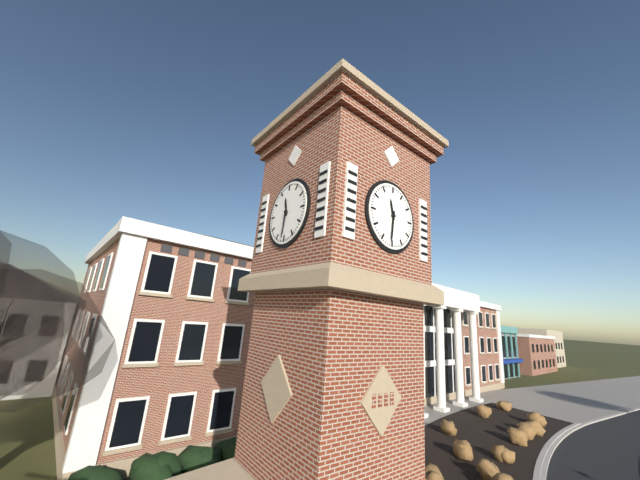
11 h 31 min
